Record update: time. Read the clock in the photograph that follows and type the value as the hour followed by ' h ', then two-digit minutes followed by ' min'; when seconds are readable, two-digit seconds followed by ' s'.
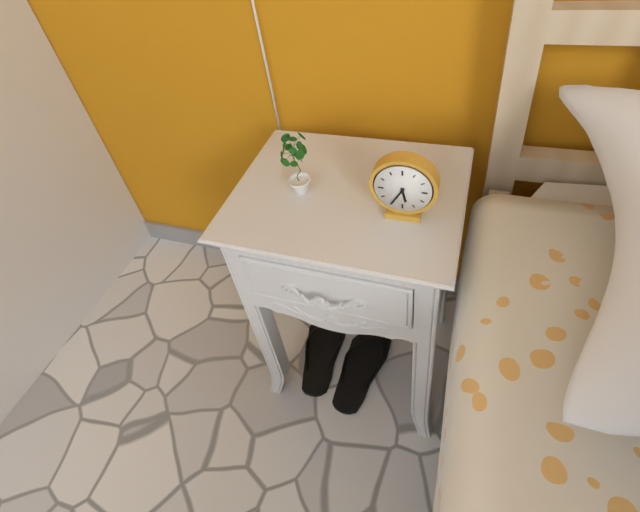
5 h 35 min
